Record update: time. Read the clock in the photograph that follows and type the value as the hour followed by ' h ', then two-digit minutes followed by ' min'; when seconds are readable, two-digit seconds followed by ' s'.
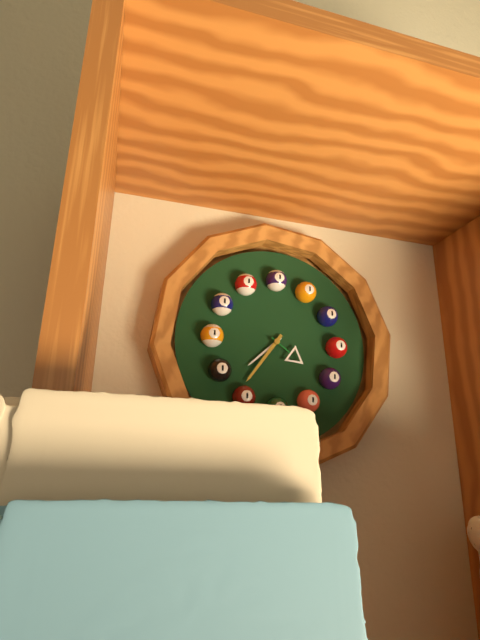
7 h 36 min
